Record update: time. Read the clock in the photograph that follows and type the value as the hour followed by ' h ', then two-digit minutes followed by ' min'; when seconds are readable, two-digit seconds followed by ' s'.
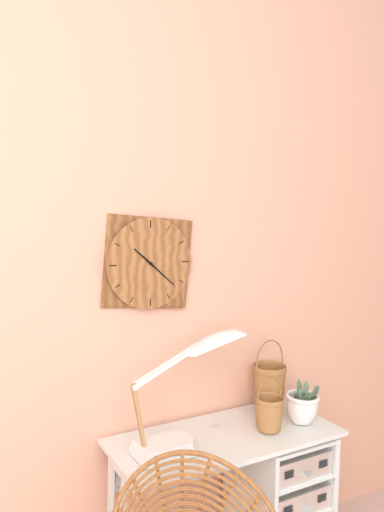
10 h 22 min
